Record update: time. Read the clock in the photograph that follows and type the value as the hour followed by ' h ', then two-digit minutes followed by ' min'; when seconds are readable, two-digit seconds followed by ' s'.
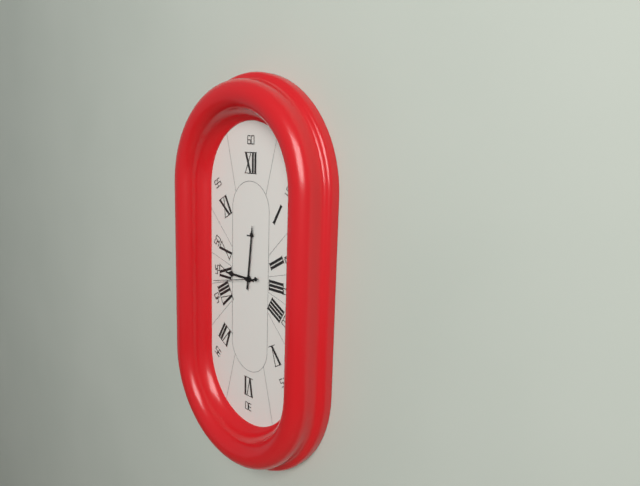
9 h 01 min
